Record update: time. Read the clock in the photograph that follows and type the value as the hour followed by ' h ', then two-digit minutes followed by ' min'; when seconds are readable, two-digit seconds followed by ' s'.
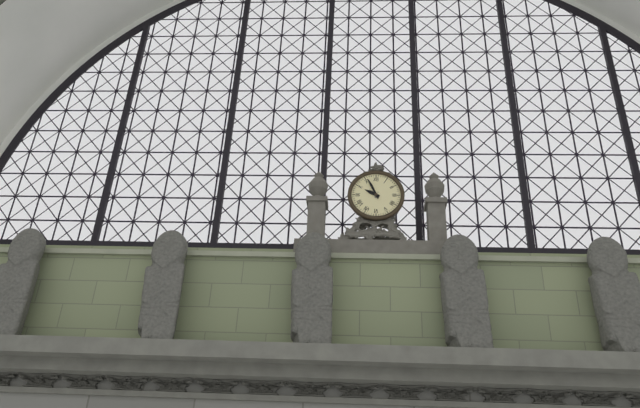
9 h 56 min
